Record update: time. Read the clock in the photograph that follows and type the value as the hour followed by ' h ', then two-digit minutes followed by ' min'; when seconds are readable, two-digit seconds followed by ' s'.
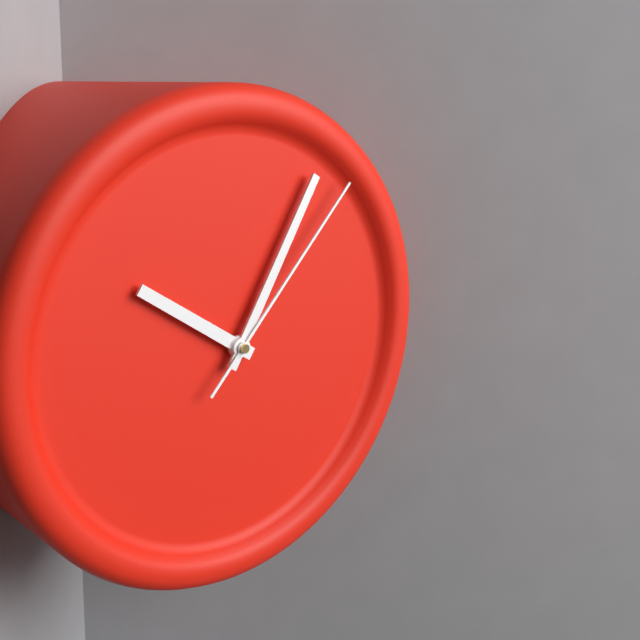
10 h 05 min 07 s
